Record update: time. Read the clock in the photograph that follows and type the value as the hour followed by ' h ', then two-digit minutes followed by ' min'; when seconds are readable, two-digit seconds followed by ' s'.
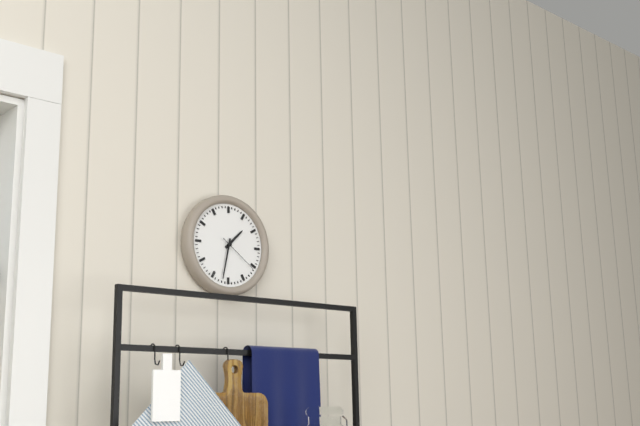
1 h 32 min
